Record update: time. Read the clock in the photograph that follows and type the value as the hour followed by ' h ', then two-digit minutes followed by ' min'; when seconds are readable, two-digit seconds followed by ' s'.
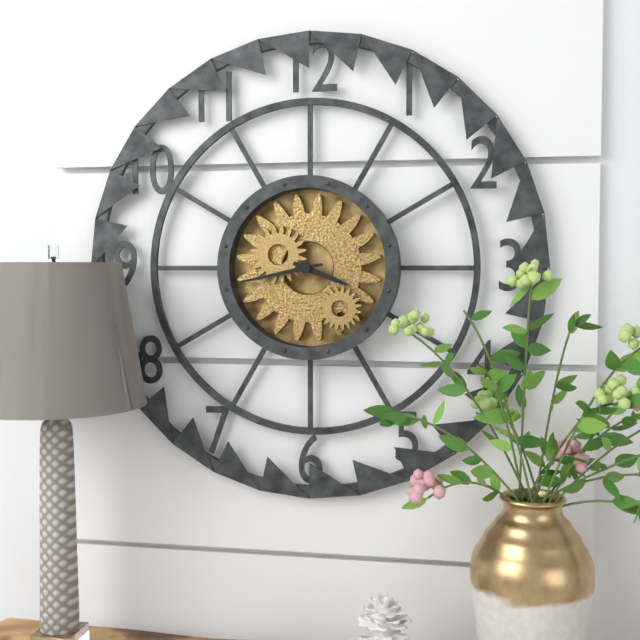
3 h 43 min
